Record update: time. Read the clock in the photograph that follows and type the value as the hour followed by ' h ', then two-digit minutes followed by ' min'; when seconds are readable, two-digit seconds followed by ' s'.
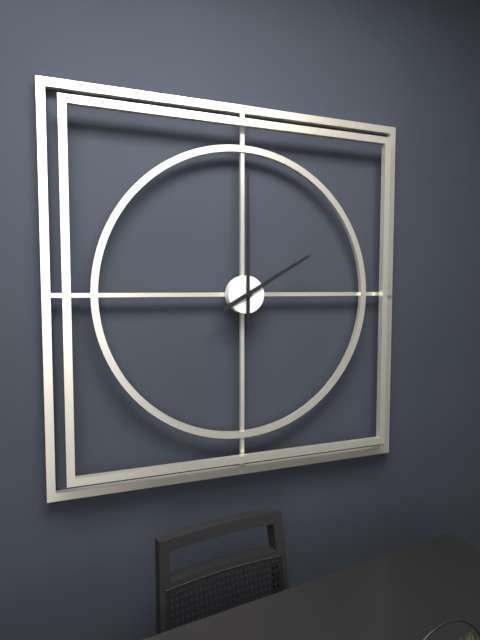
2 h 00 min
